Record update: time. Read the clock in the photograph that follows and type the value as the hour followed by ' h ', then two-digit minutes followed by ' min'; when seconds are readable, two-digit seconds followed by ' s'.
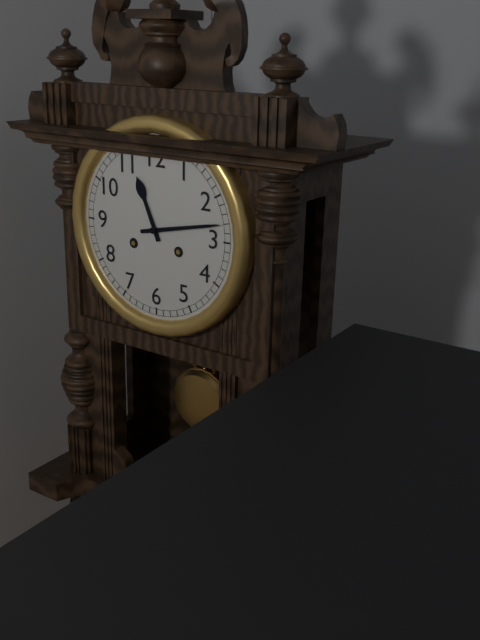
11 h 13 min
